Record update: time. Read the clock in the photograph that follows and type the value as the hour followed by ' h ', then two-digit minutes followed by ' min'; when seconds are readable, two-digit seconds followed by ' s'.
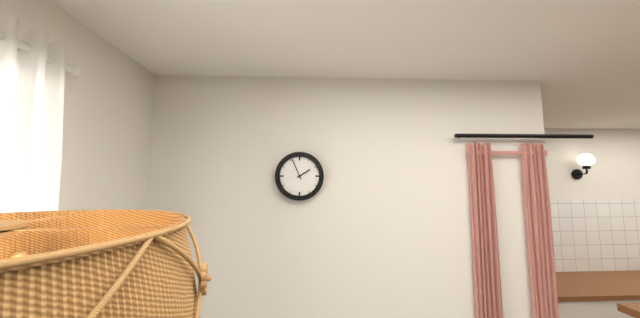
1 h 56 min
